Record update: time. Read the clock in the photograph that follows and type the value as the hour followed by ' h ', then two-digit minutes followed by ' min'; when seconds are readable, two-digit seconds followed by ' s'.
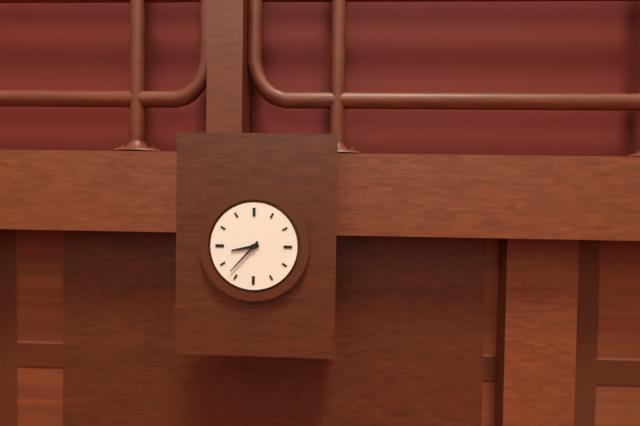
8 h 37 min
